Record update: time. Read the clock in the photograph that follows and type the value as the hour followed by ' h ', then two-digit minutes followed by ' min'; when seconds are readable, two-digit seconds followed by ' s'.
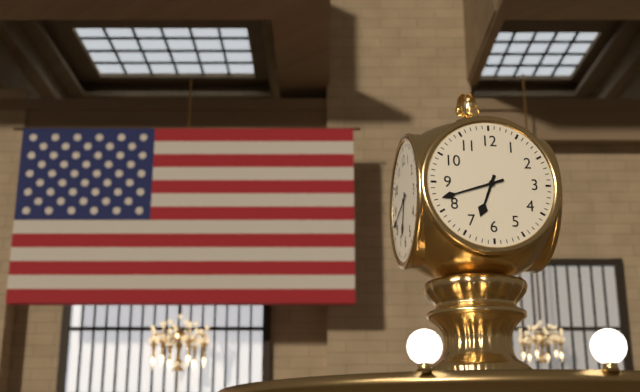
6 h 42 min
